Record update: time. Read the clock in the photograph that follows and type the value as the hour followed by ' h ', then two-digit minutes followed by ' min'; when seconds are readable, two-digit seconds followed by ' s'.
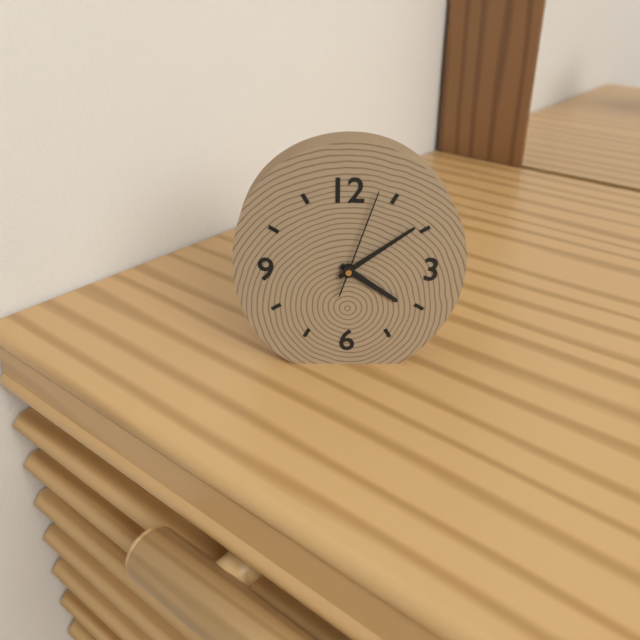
4 h 09 min 03 s
